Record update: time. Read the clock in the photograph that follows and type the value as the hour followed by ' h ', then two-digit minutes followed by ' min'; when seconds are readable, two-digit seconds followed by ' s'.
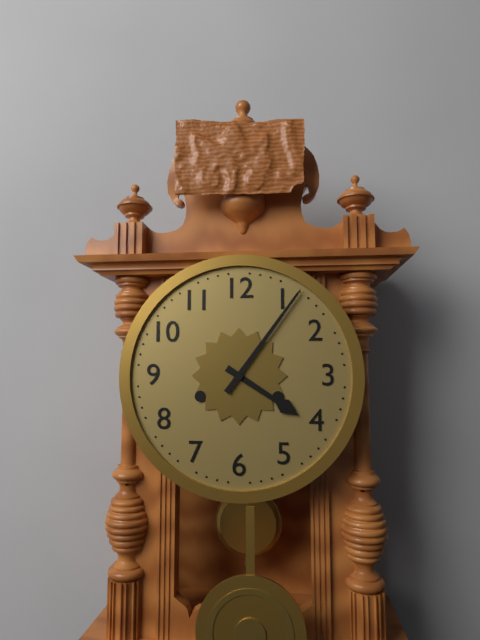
4 h 06 min
